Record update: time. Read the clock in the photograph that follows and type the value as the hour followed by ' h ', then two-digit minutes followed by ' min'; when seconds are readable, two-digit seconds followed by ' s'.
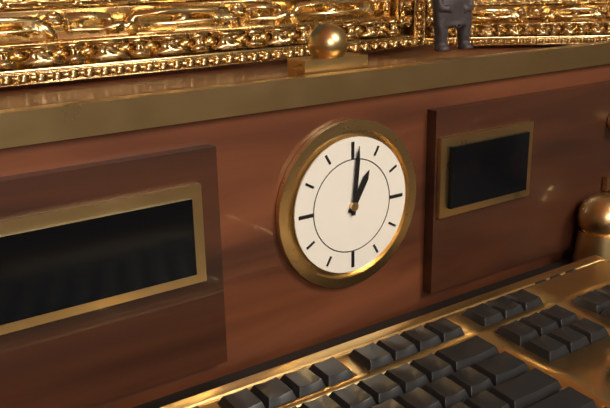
1 h 01 min
